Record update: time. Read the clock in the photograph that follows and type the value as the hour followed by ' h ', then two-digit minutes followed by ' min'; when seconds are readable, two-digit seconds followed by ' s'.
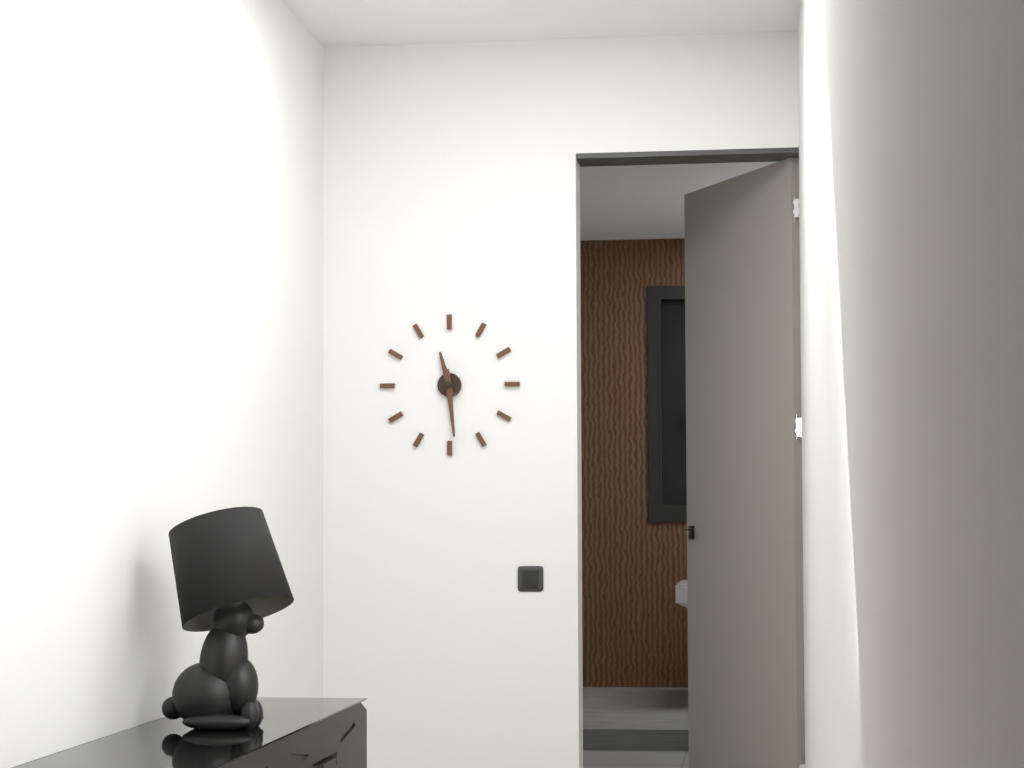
11 h 29 min
